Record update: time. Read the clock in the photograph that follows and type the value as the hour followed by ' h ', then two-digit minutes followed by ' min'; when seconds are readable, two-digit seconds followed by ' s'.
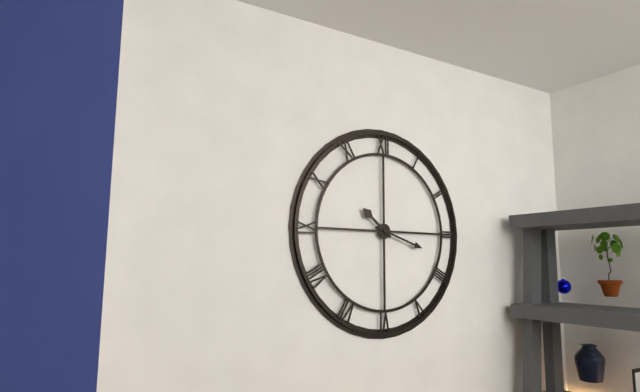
10 h 18 min
